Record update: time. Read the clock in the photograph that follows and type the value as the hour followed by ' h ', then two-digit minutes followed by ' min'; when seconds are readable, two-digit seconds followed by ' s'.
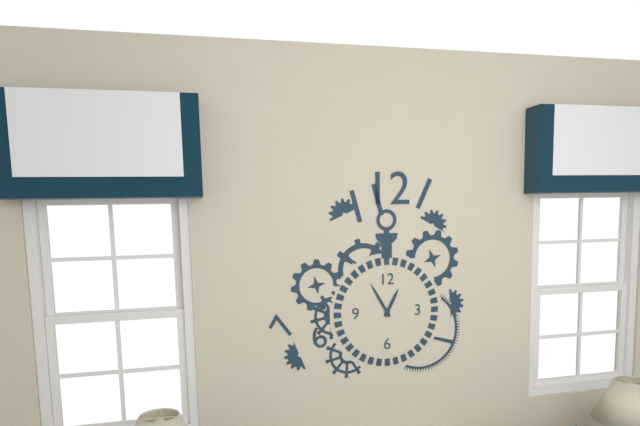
12 h 55 min
